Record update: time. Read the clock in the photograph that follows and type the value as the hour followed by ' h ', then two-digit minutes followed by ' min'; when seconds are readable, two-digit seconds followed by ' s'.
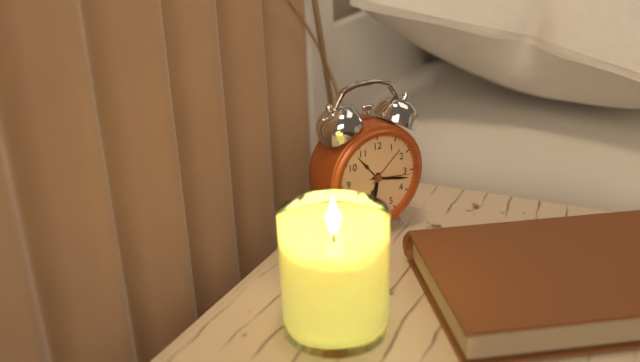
6 h 17 min
